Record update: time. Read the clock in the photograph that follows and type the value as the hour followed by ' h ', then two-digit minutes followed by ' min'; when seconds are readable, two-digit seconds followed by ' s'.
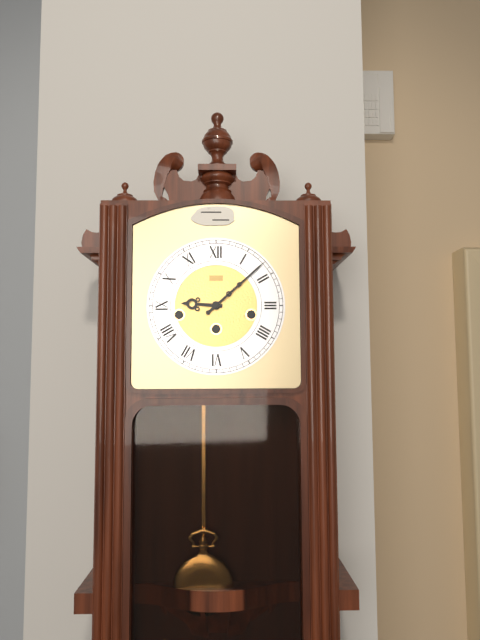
9 h 08 min
